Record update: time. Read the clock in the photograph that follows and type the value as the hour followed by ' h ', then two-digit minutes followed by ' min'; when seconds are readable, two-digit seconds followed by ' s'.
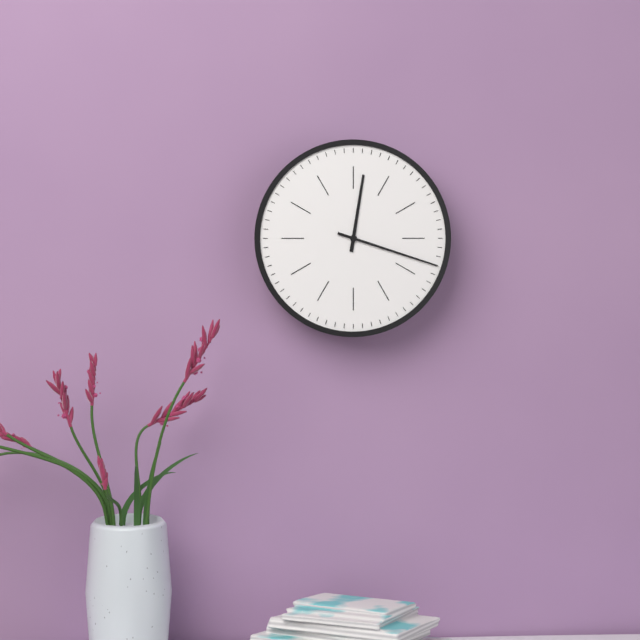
12 h 18 min
